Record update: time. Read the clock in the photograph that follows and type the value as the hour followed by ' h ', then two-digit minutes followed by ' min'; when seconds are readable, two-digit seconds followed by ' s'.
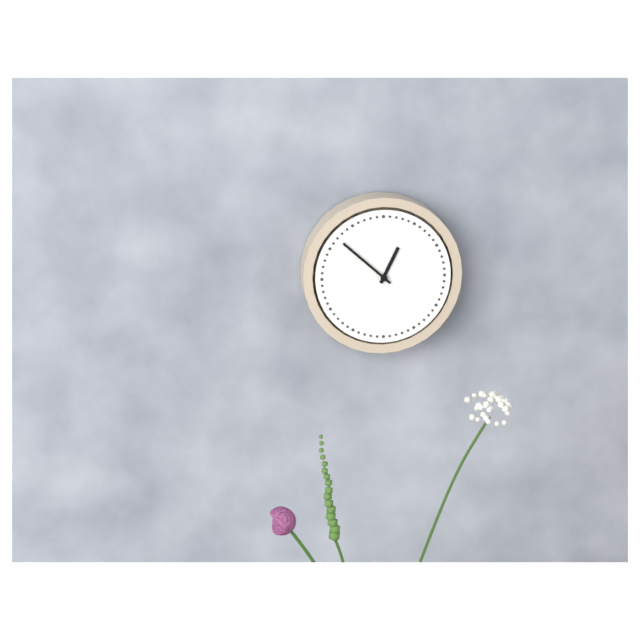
12 h 52 min
